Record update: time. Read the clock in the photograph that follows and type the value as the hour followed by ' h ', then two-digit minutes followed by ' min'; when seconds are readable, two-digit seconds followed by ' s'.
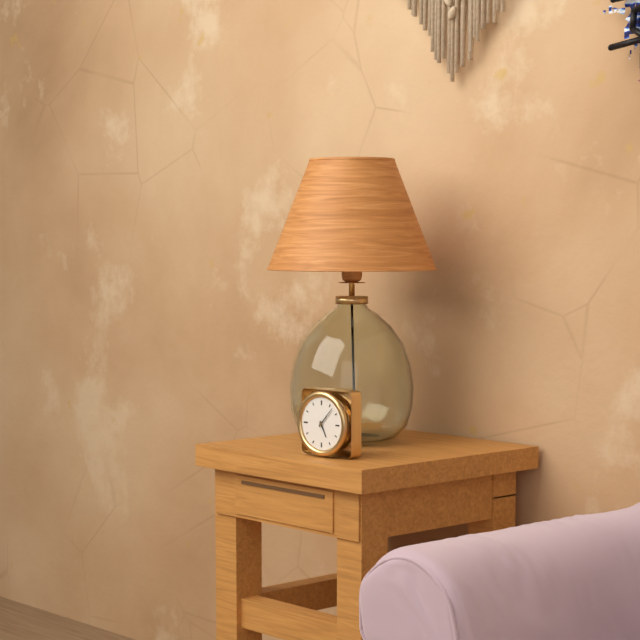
5 h 07 min
